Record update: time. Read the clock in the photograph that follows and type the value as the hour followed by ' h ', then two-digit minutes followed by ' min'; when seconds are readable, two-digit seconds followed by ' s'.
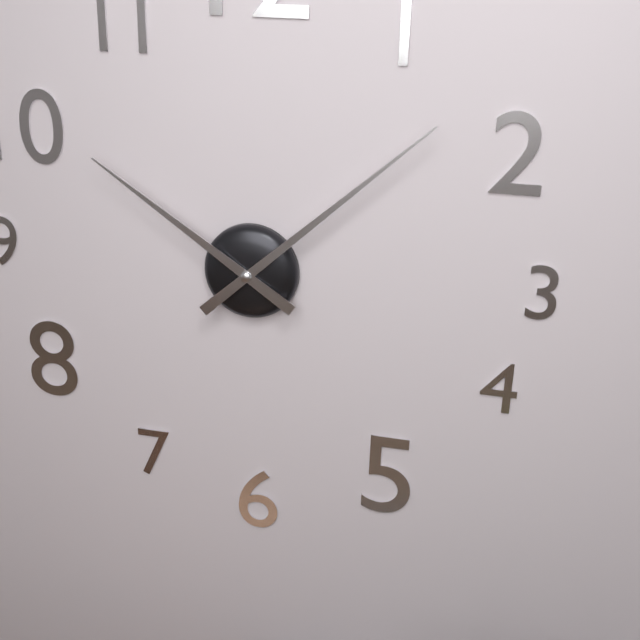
10 h 08 min
